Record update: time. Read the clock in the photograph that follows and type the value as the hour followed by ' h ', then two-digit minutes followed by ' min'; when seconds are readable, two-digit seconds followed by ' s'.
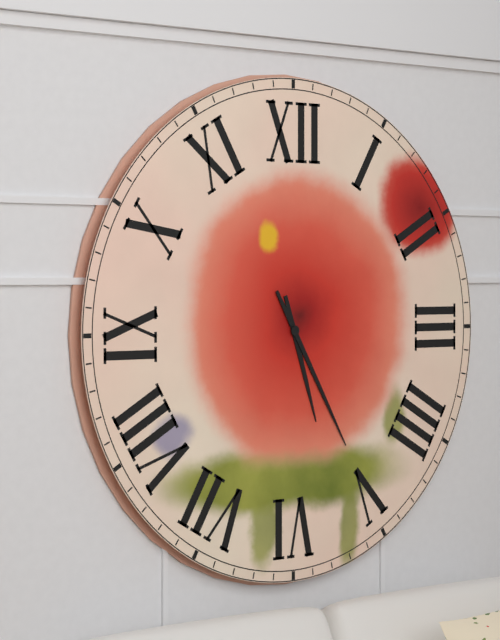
5 h 25 min
